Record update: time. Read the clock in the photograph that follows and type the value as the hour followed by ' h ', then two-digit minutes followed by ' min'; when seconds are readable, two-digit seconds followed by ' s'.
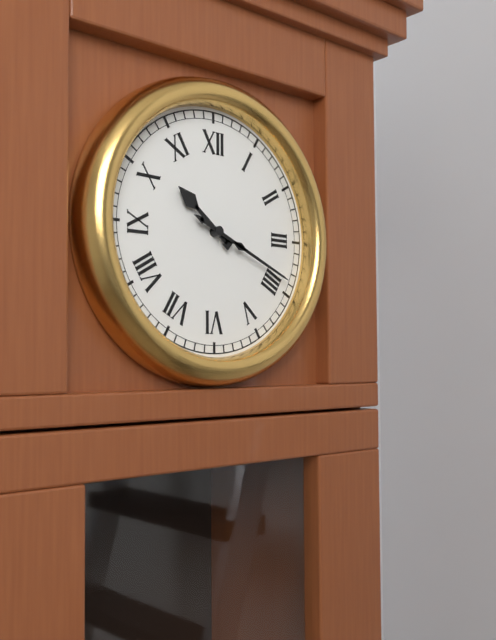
10 h 19 min
